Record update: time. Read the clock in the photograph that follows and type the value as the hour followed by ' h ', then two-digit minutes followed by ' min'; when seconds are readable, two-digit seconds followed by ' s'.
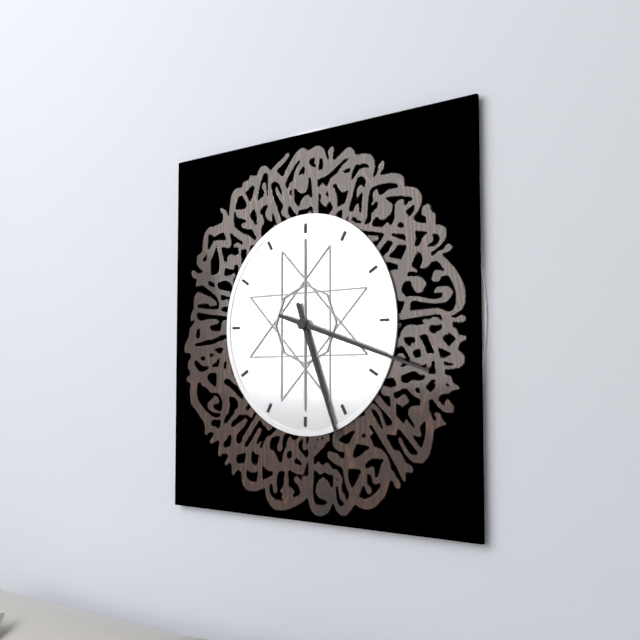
5 h 18 min
